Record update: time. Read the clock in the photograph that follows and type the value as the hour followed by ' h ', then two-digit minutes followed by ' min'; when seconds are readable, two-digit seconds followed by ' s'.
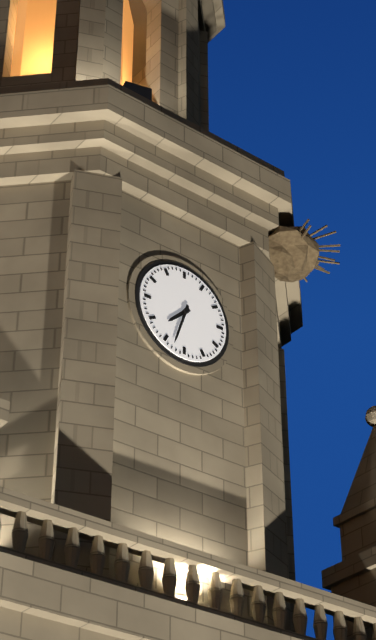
7 h 33 min
